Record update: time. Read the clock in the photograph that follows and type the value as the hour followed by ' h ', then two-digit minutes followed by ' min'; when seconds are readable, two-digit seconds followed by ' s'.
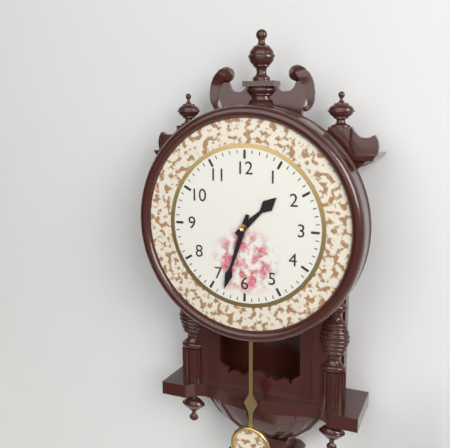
1 h 33 min
